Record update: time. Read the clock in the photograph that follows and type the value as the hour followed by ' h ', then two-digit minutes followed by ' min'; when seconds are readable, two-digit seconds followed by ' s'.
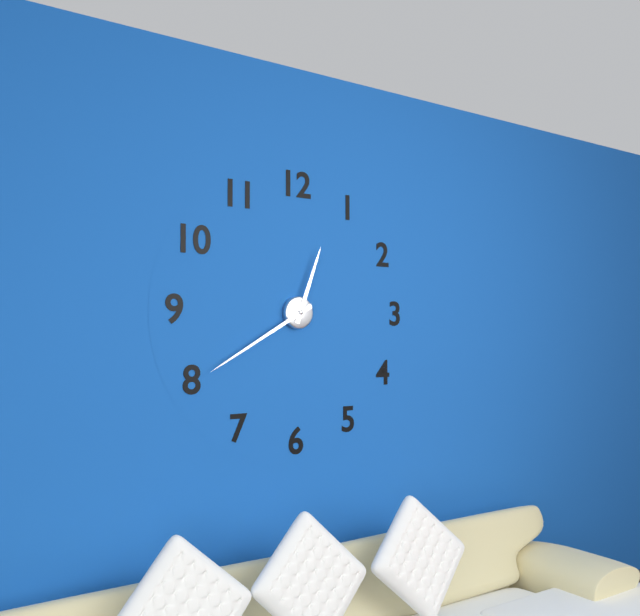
12 h 40 min
